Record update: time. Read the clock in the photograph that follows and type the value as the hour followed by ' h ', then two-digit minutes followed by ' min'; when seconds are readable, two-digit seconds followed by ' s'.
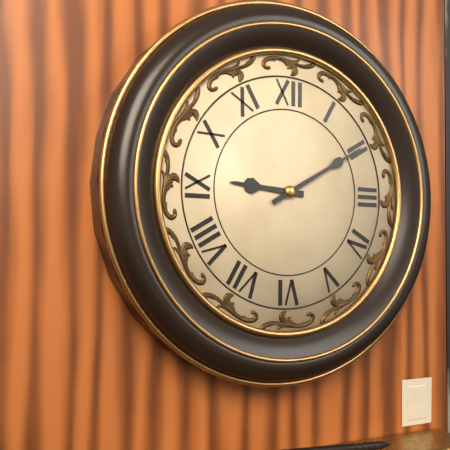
9 h 10 min
